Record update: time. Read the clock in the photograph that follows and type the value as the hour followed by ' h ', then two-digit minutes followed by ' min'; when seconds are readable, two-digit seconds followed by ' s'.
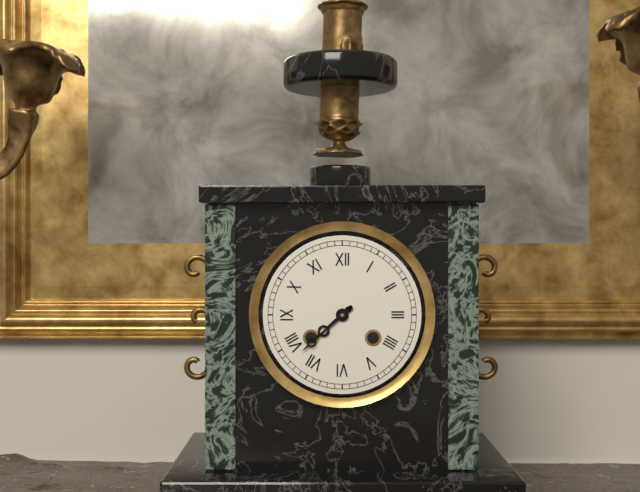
7 h 38 min
